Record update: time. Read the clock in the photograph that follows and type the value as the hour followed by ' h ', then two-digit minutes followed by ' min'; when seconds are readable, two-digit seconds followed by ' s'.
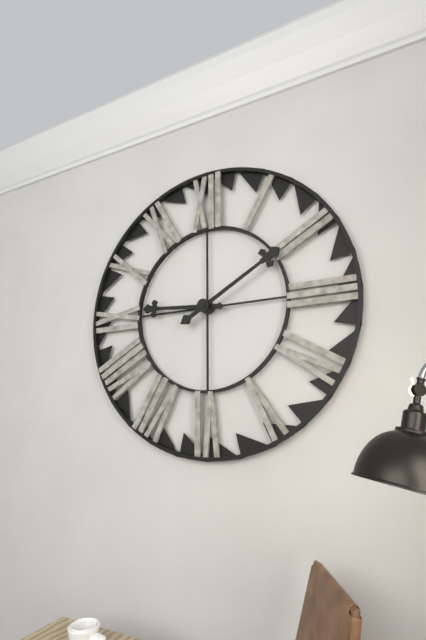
9 h 10 min
